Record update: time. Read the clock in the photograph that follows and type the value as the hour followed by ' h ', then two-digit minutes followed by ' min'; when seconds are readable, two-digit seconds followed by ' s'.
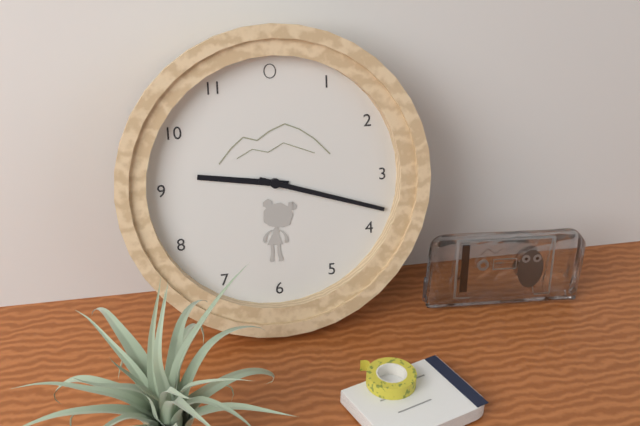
9 h 18 min
